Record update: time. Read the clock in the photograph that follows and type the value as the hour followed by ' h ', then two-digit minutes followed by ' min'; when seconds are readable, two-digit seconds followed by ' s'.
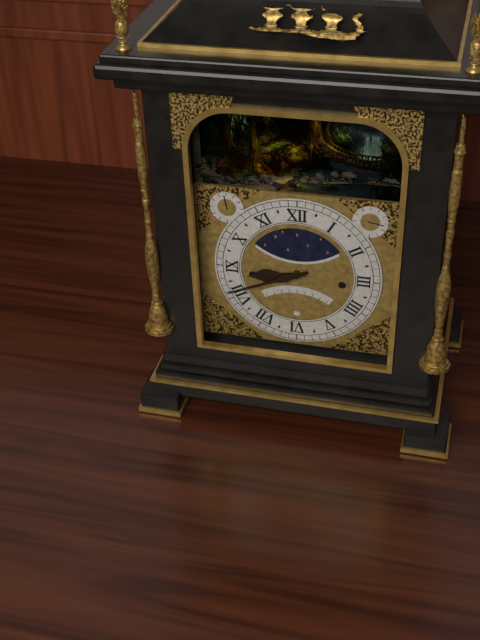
8 h 41 min
